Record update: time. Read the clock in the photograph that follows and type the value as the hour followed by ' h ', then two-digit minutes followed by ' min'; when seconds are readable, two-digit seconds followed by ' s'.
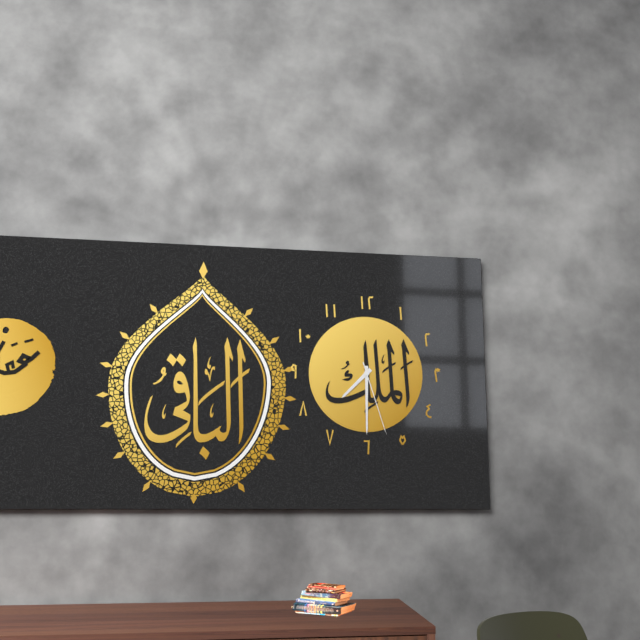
7 h 30 min 27 s
